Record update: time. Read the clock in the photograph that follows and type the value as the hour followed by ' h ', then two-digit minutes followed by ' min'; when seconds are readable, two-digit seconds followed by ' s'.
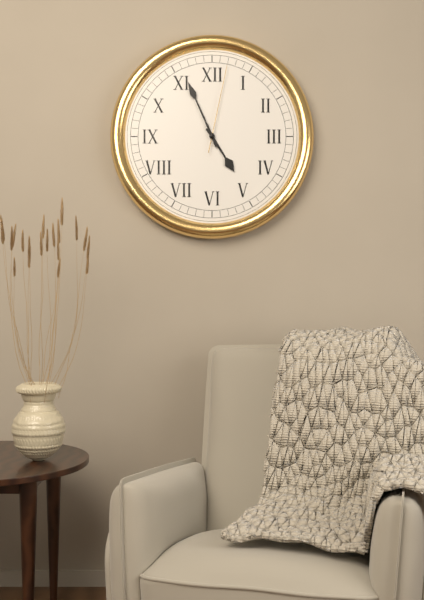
4 h 56 min 02 s
